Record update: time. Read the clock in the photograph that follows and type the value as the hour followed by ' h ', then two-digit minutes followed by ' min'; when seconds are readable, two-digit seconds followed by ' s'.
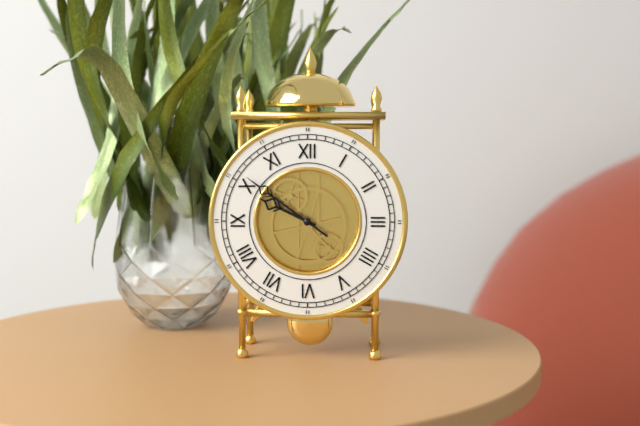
9 h 51 min
